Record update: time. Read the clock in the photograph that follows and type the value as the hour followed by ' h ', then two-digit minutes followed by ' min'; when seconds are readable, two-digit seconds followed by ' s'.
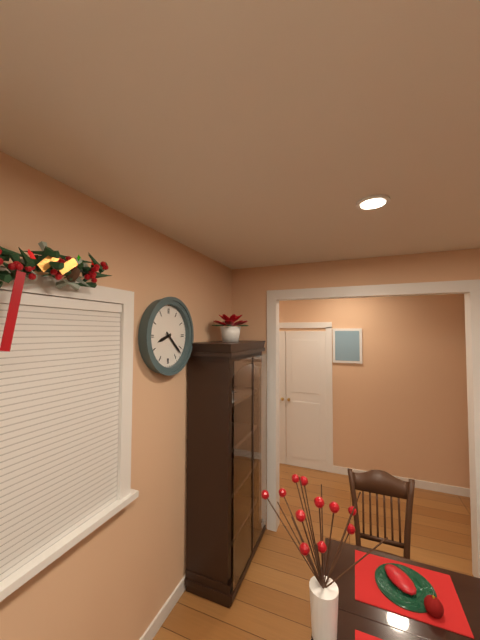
8 h 22 min
